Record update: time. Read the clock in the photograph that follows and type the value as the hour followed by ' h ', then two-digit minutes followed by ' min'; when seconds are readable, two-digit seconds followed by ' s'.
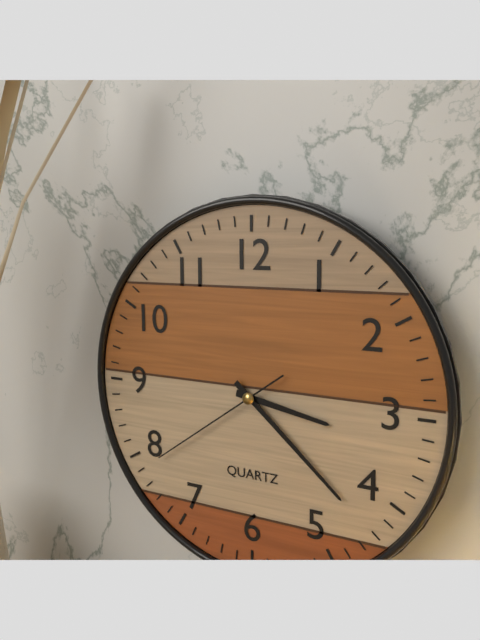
3 h 22 min 39 s
